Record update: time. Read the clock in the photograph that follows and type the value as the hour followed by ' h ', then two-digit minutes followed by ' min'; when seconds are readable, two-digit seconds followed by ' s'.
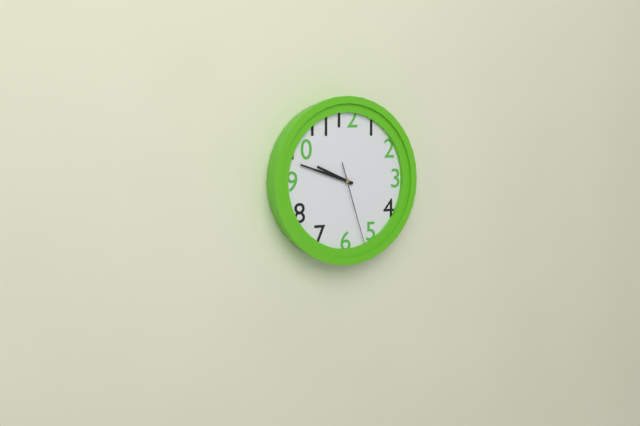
9 h 48 min 27 s
